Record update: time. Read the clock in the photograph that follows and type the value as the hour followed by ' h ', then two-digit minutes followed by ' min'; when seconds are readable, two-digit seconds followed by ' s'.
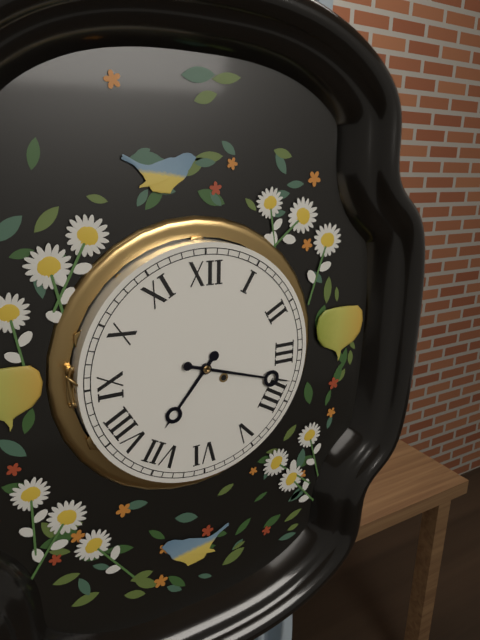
7 h 18 min
